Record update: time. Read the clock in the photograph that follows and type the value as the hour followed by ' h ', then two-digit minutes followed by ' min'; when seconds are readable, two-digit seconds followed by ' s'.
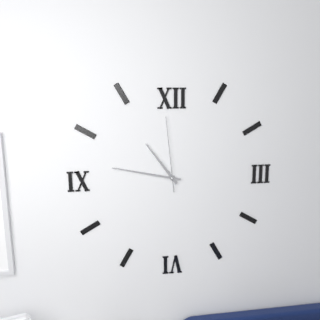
10 h 47 min 59 s
